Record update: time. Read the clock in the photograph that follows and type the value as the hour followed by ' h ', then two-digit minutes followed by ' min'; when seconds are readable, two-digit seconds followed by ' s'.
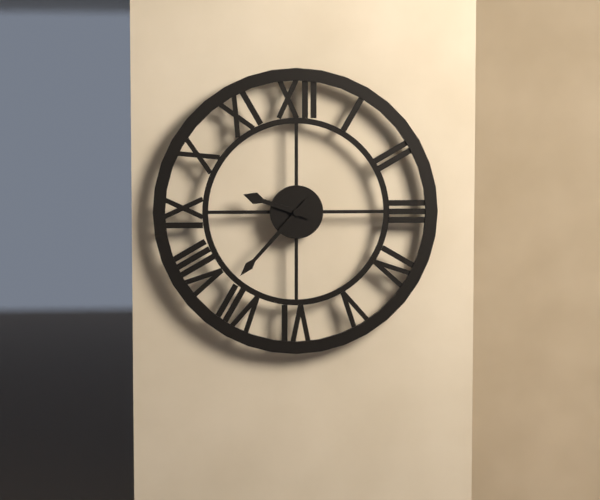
9 h 37 min
